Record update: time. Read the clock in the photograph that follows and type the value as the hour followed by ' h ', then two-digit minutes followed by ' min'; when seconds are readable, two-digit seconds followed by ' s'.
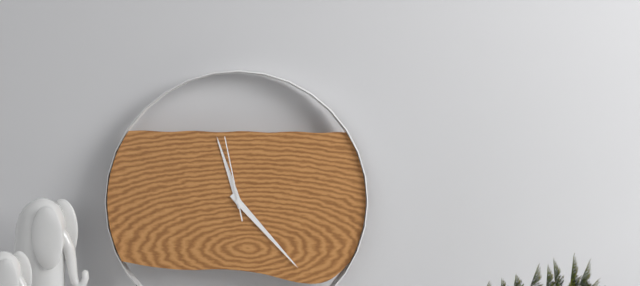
11 h 23 min 58 s
